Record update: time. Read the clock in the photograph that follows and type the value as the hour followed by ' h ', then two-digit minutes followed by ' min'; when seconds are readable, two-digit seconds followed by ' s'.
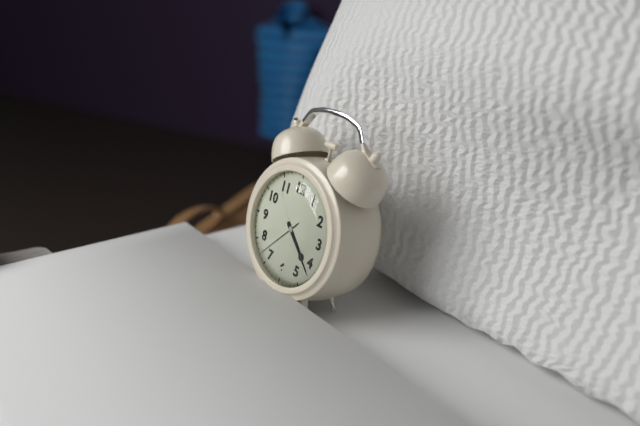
4 h 22 min
